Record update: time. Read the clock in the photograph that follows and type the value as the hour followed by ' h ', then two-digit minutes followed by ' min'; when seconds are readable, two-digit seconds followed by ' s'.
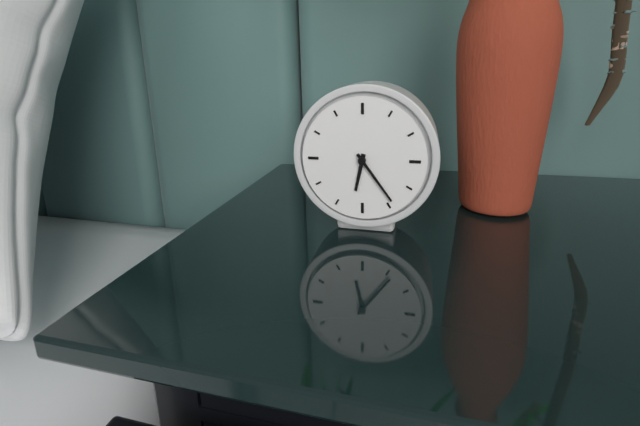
6 h 24 min
